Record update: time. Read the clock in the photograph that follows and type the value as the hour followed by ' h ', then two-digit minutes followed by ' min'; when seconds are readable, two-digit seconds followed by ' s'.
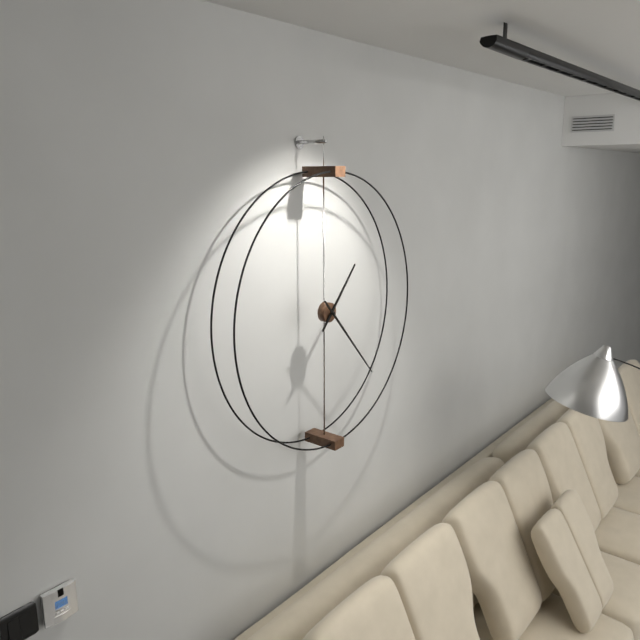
1 h 23 min
